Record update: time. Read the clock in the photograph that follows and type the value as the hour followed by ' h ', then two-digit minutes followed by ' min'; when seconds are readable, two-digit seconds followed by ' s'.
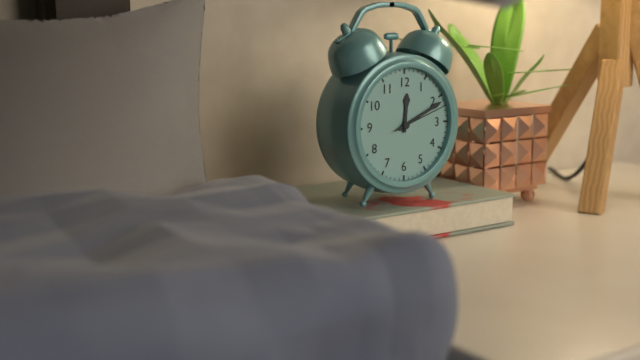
12 h 11 min 12 s
